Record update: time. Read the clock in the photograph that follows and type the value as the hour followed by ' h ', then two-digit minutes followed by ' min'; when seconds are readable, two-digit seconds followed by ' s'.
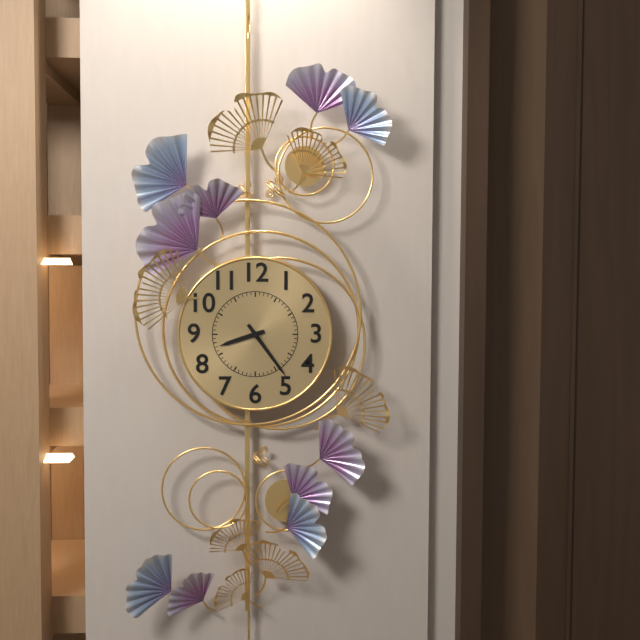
8 h 24 min
